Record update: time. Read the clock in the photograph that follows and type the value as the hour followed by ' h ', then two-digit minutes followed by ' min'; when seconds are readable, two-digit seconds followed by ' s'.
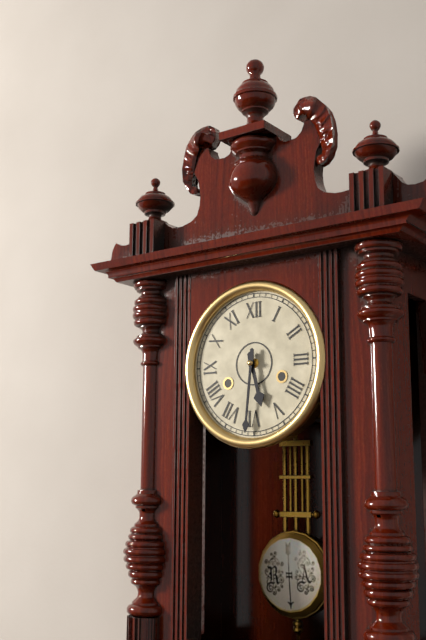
5 h 31 min
